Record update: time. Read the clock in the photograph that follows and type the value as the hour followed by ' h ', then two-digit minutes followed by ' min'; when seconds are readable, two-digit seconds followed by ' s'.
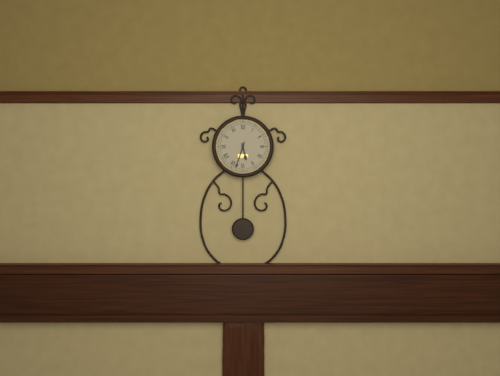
5 h 33 min
